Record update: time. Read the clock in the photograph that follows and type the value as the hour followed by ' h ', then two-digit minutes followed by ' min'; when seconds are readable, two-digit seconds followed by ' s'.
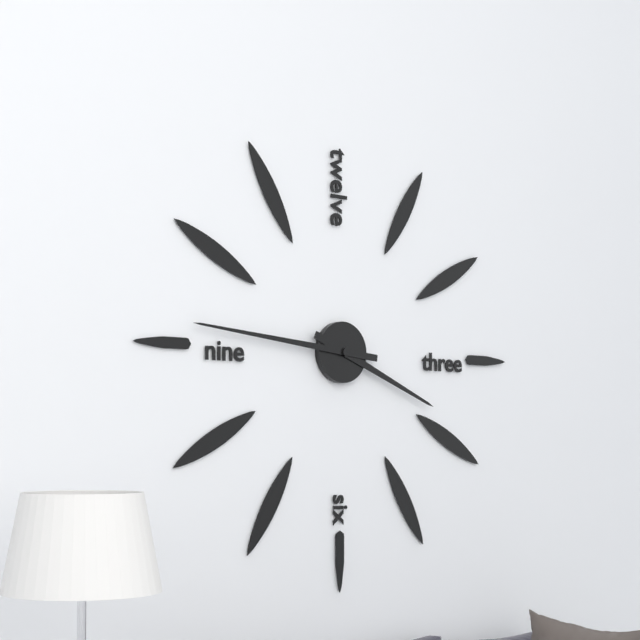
3 h 46 min
